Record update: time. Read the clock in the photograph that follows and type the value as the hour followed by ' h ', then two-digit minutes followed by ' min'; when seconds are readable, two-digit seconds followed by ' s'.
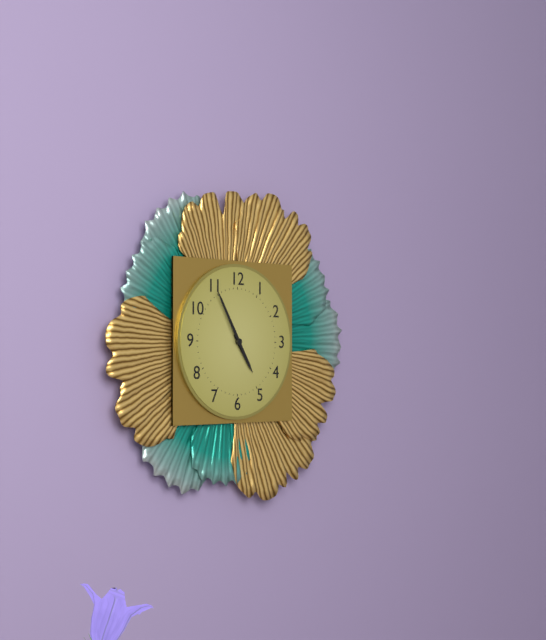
4 h 55 min
